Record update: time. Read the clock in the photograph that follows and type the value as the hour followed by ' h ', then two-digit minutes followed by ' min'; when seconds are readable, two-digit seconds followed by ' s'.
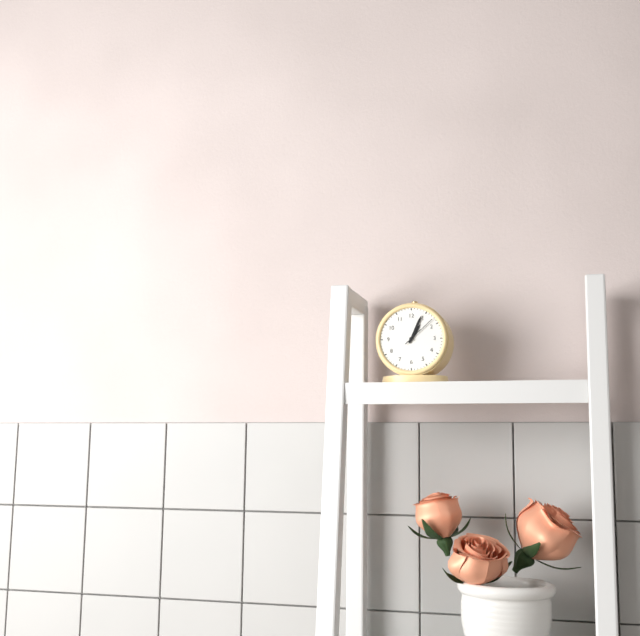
1 h 04 min
